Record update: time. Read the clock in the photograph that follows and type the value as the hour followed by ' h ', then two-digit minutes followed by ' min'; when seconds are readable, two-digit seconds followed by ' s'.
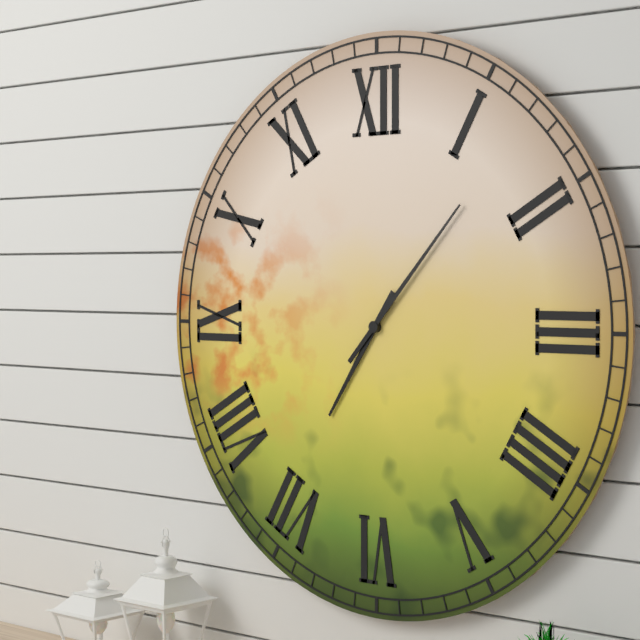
7 h 07 min
